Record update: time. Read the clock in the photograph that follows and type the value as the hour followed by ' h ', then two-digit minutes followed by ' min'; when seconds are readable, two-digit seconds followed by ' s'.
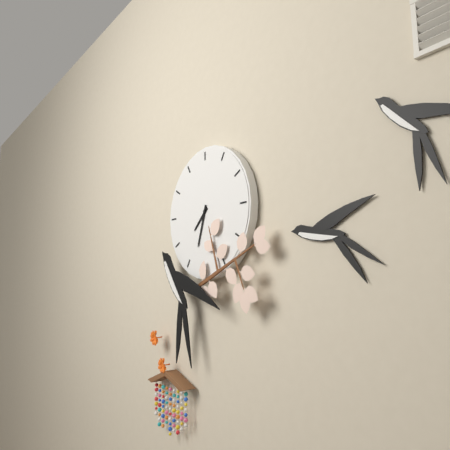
7 h 33 min
